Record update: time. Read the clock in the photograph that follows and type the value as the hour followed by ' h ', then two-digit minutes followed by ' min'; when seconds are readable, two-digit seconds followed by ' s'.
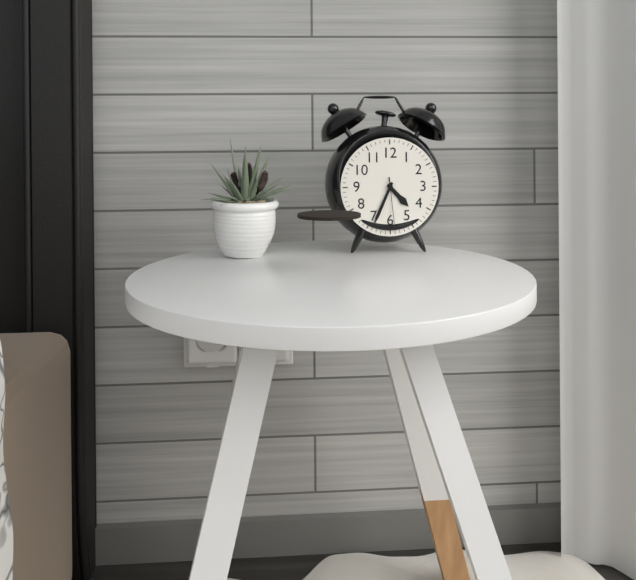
4 h 34 min 29 s
